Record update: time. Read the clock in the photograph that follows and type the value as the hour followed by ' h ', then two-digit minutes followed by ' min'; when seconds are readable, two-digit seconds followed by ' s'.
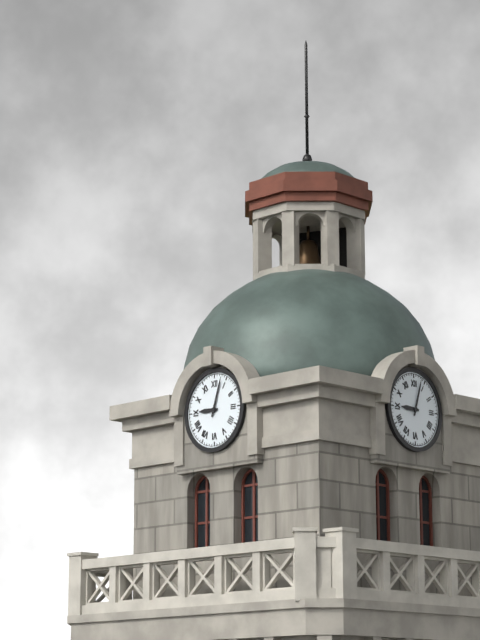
9 h 03 min
